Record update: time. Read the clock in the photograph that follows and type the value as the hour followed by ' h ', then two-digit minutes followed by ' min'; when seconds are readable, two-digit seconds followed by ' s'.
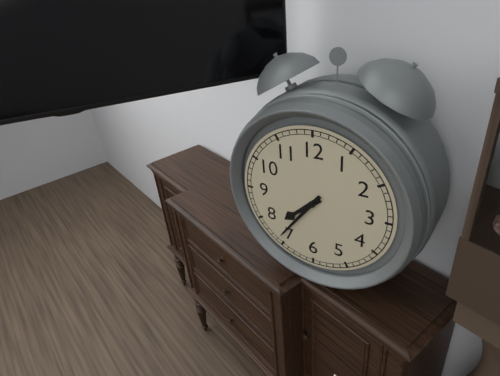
7 h 36 min
